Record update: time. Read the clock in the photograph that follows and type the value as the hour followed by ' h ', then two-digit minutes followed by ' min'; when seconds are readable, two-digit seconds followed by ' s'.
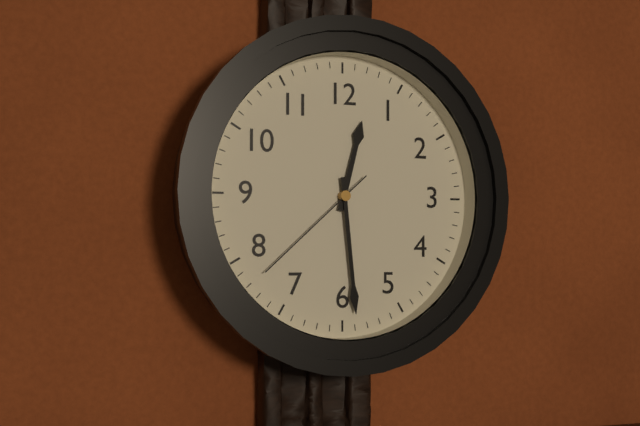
12 h 29 min 38 s
